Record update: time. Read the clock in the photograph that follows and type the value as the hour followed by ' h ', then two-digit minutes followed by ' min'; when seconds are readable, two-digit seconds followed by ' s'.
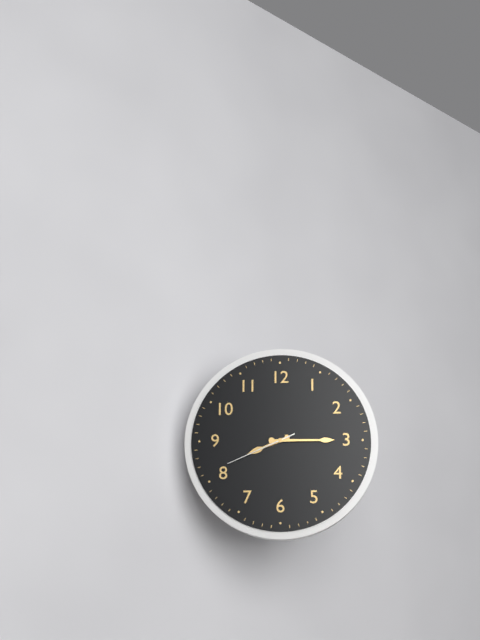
8 h 15 min 41 s
